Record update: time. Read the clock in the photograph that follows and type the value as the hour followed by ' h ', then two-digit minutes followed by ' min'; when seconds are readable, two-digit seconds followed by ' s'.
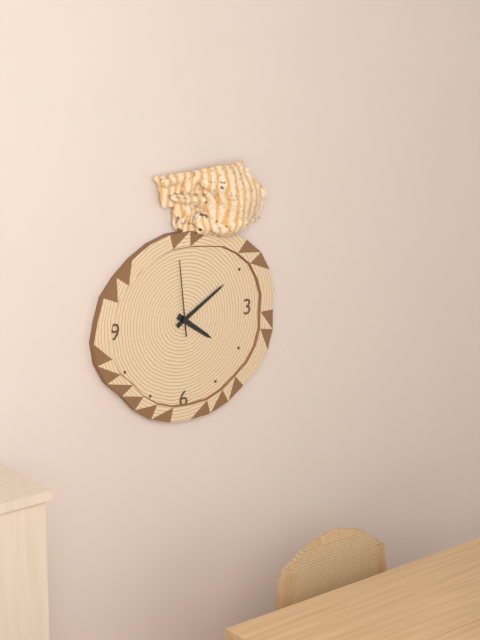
4 h 10 min 59 s
